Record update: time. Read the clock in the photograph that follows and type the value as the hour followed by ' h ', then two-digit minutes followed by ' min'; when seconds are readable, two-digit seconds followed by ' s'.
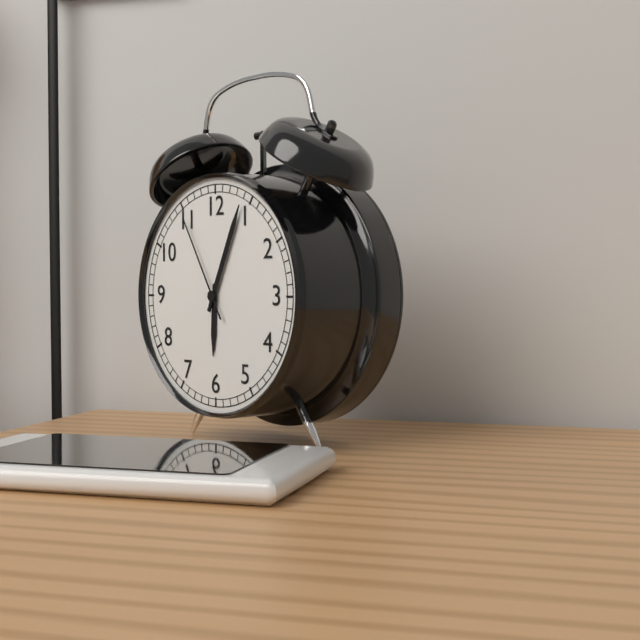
6 h 04 min 55 s
